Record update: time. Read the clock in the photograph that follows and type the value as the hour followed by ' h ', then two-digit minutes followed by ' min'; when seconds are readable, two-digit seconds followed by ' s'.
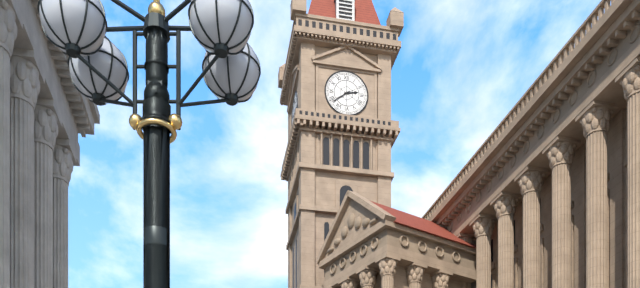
2 h 39 min
